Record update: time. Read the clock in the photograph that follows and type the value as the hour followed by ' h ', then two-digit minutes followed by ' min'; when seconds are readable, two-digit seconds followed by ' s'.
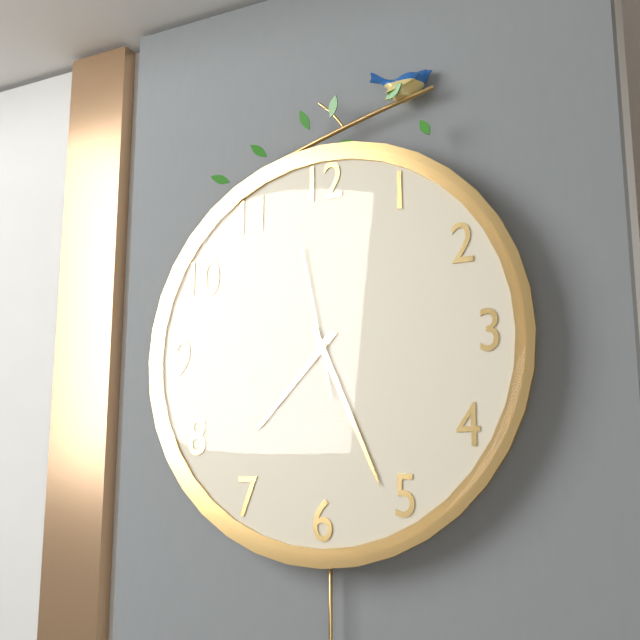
7 h 26 min 58 s
